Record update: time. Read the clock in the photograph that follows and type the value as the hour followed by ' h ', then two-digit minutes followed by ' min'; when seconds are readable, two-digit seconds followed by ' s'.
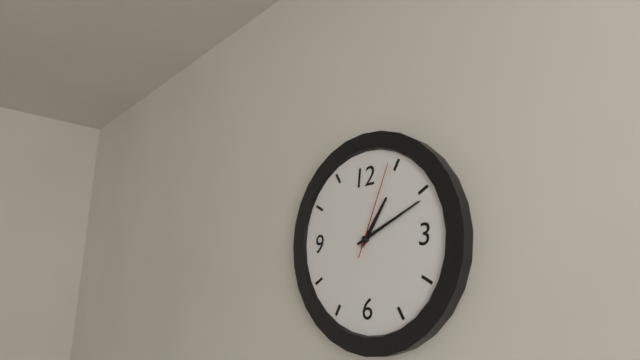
1 h 11 min 04 s
